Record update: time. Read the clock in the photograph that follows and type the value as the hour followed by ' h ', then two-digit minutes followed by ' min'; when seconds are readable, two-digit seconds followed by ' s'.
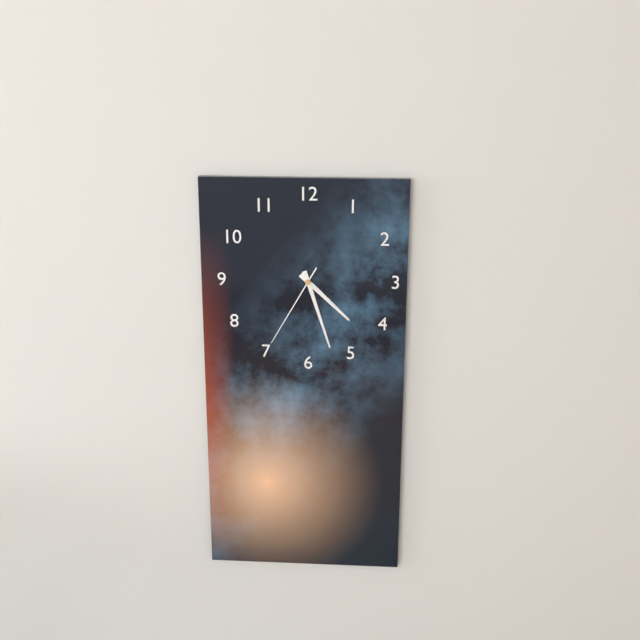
4 h 27 min 35 s
